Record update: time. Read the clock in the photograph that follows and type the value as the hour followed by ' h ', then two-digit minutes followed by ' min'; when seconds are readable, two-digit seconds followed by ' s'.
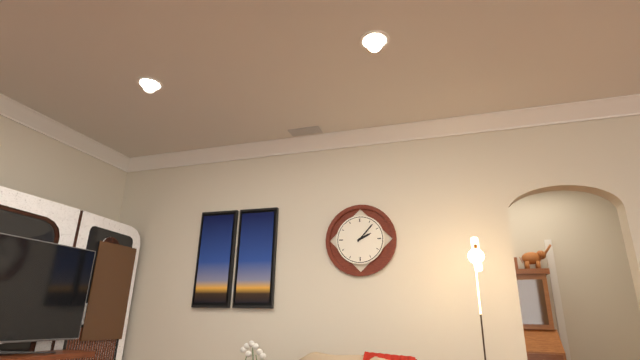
2 h 07 min
